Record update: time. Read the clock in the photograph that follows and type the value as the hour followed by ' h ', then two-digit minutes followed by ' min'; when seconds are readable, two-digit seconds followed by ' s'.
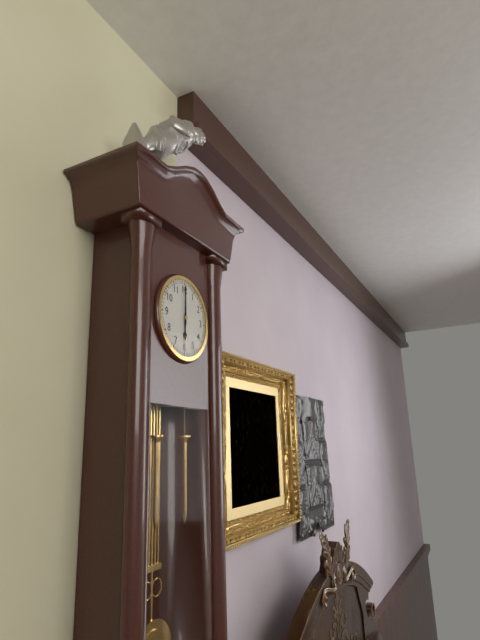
6 h 00 min
